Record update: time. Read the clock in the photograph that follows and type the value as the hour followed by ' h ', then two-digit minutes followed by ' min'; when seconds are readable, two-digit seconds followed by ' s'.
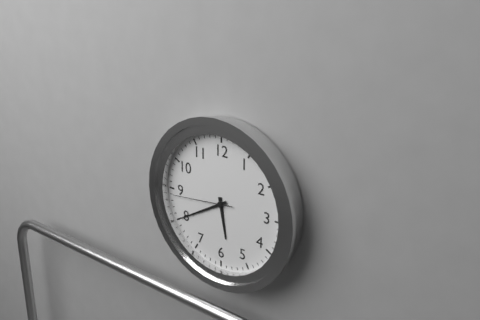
5 h 40 min 44 s
